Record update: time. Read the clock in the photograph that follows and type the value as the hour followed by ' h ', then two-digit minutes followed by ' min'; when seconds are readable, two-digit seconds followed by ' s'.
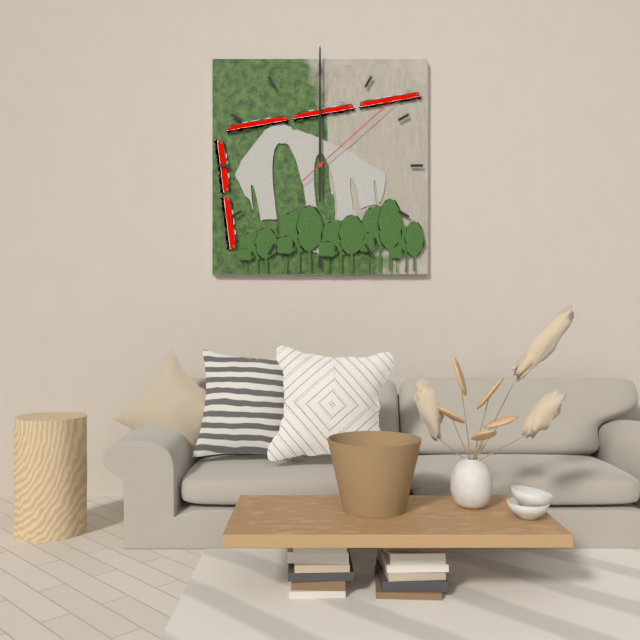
12 h 00 min 08 s
